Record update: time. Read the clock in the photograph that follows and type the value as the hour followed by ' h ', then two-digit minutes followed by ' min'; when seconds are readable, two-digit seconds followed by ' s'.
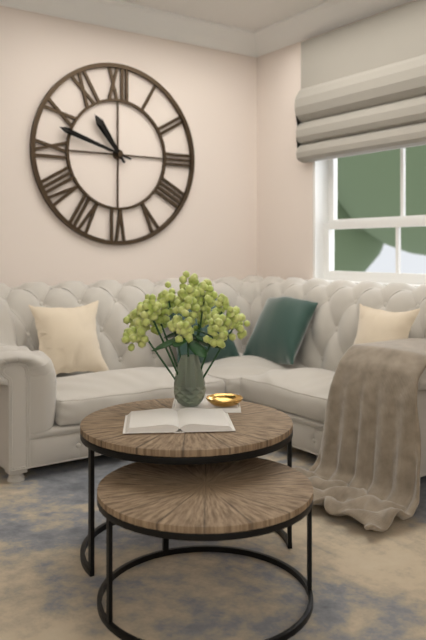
10 h 48 min
